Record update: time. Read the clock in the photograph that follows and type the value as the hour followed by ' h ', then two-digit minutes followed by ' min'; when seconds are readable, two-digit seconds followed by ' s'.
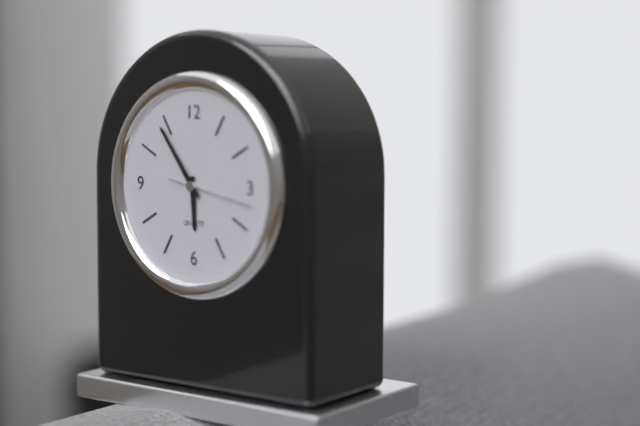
5 h 54 min
